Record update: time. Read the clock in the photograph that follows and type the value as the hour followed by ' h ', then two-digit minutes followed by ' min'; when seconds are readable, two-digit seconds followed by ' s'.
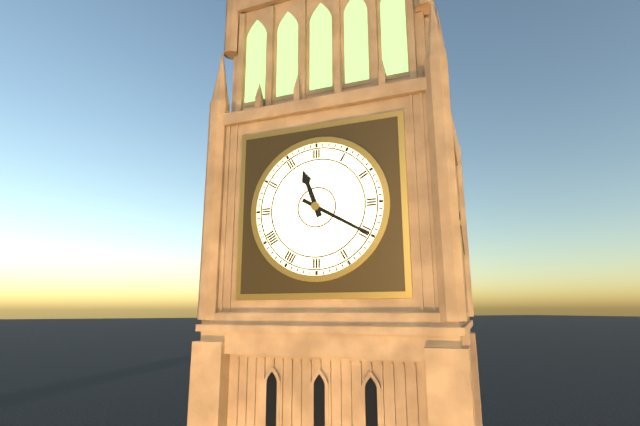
11 h 20 min
